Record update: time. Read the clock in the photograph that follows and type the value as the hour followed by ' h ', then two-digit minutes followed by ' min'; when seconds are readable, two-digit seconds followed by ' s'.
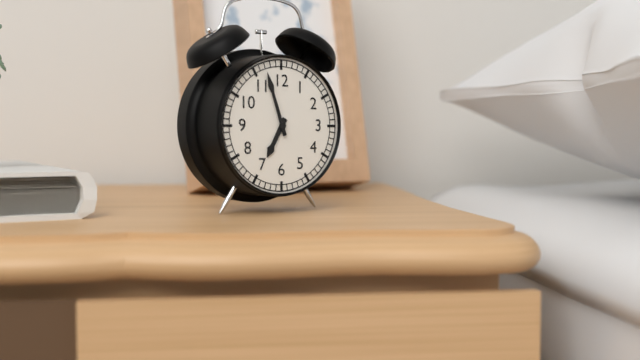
6 h 57 min
